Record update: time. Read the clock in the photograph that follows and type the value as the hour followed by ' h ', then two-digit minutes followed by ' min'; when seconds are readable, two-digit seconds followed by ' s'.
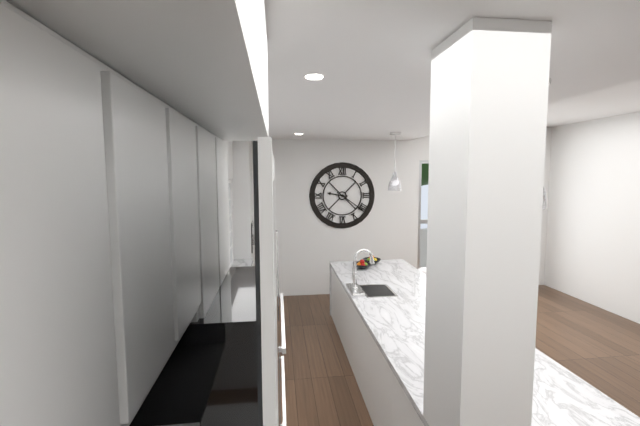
9 h 21 min
